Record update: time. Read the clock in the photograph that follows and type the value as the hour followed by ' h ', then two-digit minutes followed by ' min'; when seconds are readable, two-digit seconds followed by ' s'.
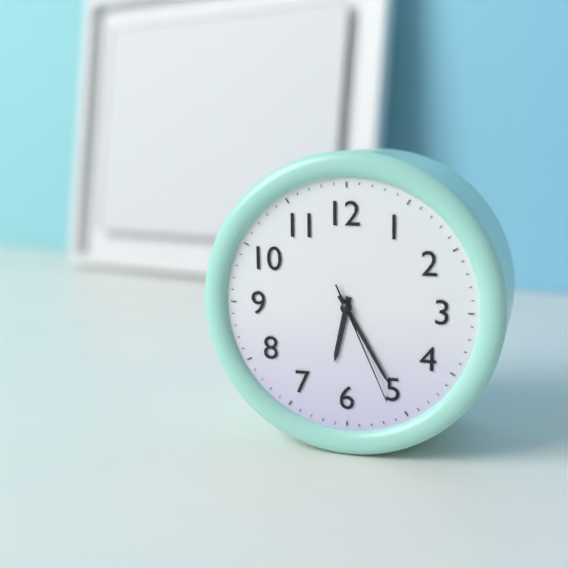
6 h 25 min 26 s
